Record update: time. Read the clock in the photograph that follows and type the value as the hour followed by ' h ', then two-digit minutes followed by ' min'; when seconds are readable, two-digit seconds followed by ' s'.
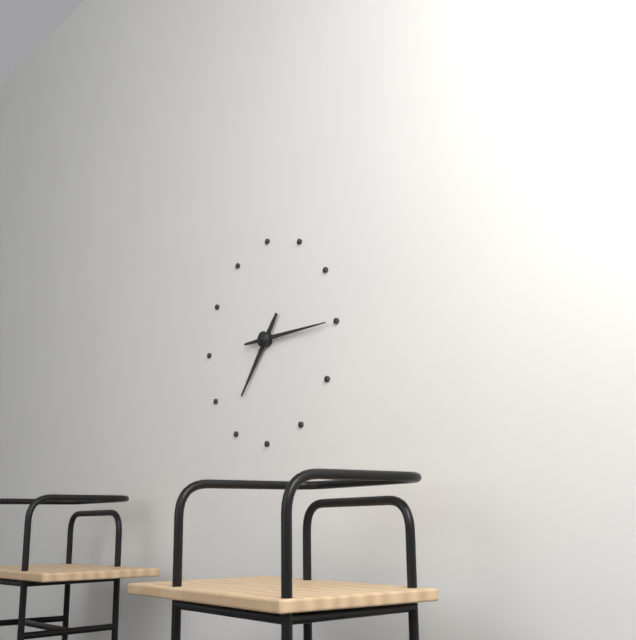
7 h 15 min
